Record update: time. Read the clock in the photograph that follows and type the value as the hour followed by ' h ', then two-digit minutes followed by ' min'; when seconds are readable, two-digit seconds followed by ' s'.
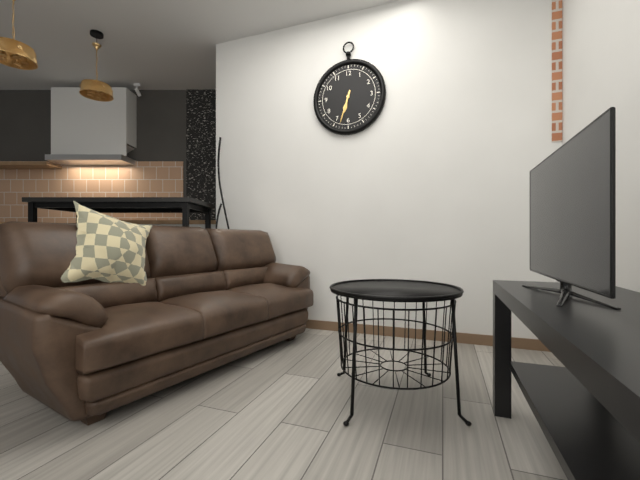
6 h 33 min
